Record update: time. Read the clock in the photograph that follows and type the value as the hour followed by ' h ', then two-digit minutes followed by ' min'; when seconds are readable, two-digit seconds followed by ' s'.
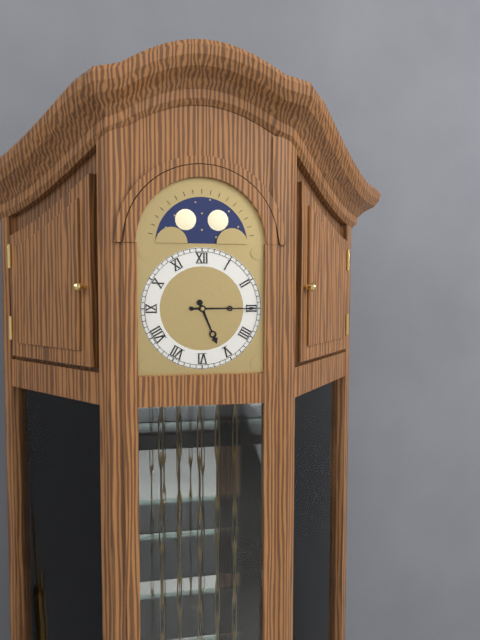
5 h 15 min
